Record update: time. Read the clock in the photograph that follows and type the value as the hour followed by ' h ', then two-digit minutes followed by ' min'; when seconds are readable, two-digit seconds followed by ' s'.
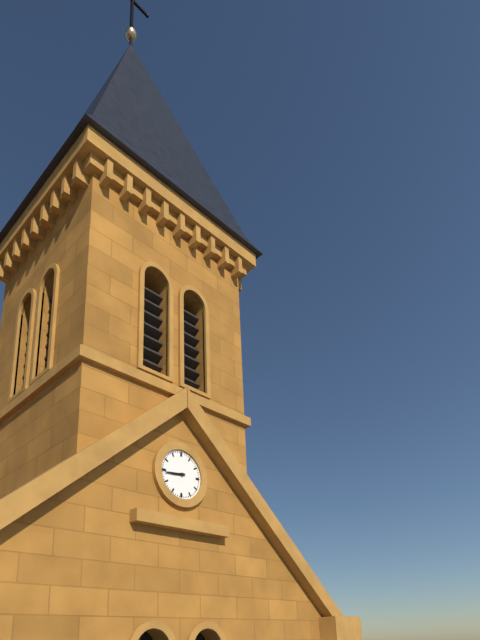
8 h 44 min
